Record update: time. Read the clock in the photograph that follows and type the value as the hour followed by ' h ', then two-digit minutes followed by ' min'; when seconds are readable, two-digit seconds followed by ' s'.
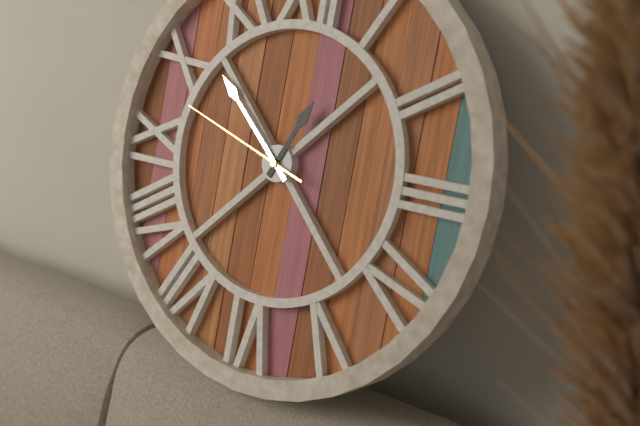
12 h 52 min 48 s
